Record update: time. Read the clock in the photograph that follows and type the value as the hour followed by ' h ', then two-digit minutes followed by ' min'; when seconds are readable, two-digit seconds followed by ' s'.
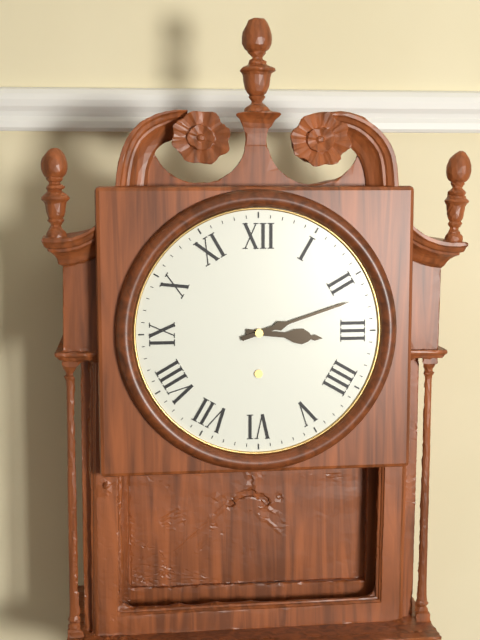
3 h 12 min
